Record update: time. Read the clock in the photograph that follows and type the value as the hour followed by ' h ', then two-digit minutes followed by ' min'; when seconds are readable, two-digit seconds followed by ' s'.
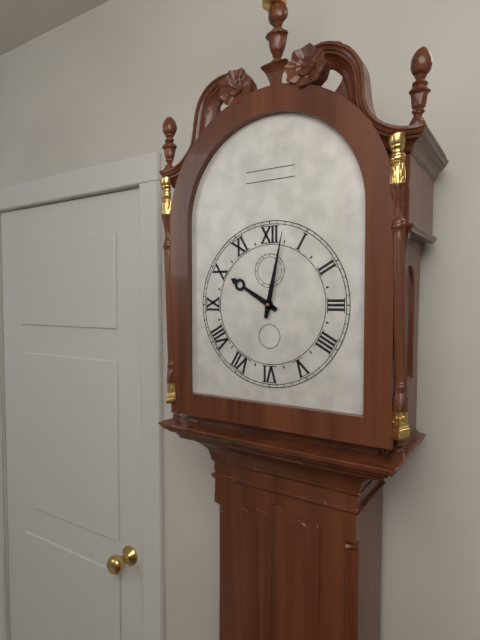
10 h 02 min
